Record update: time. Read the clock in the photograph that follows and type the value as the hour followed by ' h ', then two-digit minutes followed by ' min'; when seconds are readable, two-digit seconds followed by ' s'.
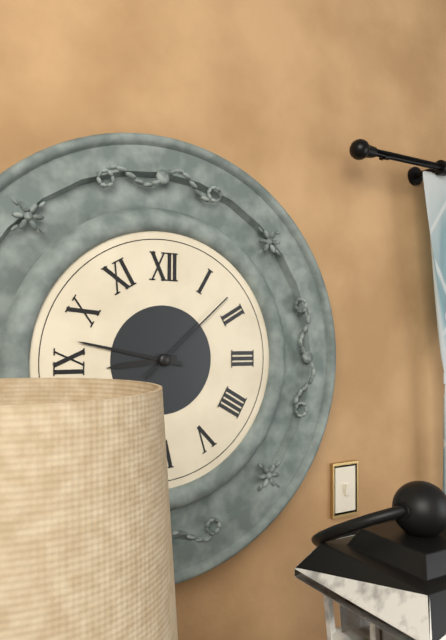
8 h 47 min 08 s
